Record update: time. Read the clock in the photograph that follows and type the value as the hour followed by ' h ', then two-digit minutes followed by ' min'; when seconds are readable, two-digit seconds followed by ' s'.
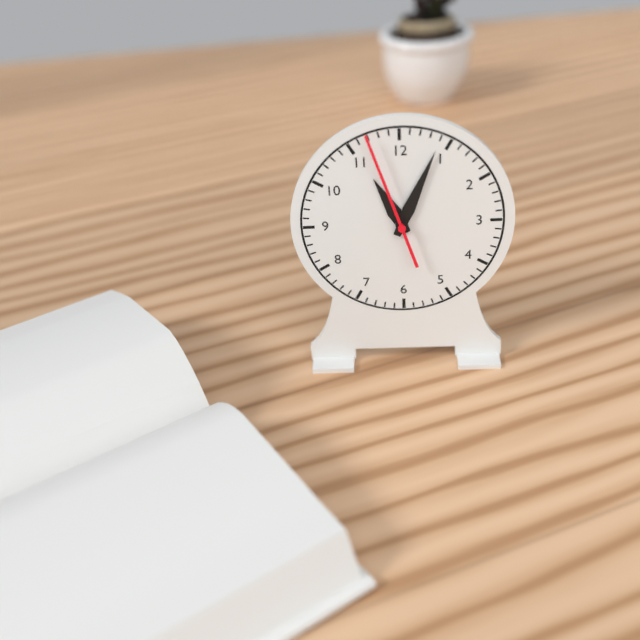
11 h 04 min 57 s
